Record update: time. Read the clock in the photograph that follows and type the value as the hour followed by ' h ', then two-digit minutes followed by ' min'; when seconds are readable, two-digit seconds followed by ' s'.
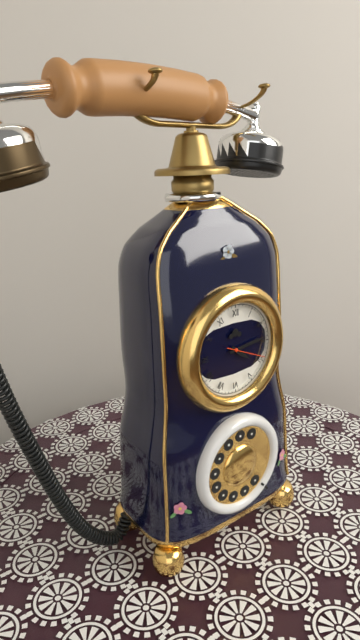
4 h 14 min
